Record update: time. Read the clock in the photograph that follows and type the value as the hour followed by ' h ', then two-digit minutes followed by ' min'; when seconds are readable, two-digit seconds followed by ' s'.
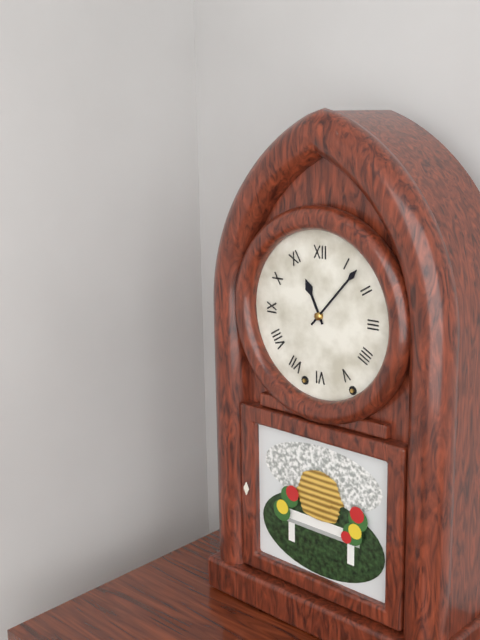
11 h 07 min
